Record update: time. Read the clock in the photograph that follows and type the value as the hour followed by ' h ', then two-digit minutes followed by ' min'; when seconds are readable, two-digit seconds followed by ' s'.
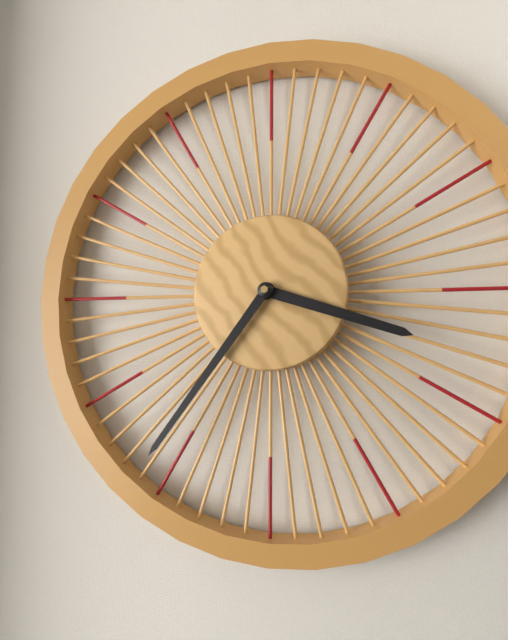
3 h 36 min
